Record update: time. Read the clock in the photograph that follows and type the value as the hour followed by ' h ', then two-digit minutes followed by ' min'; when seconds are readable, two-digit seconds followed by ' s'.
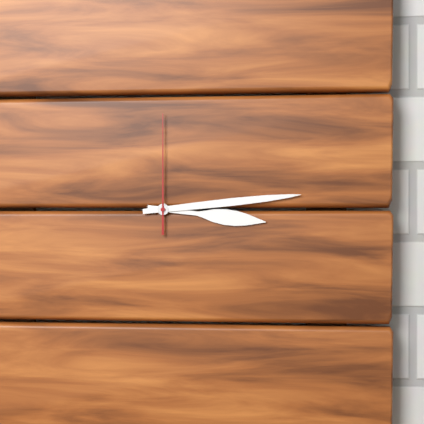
3 h 14 min 00 s
